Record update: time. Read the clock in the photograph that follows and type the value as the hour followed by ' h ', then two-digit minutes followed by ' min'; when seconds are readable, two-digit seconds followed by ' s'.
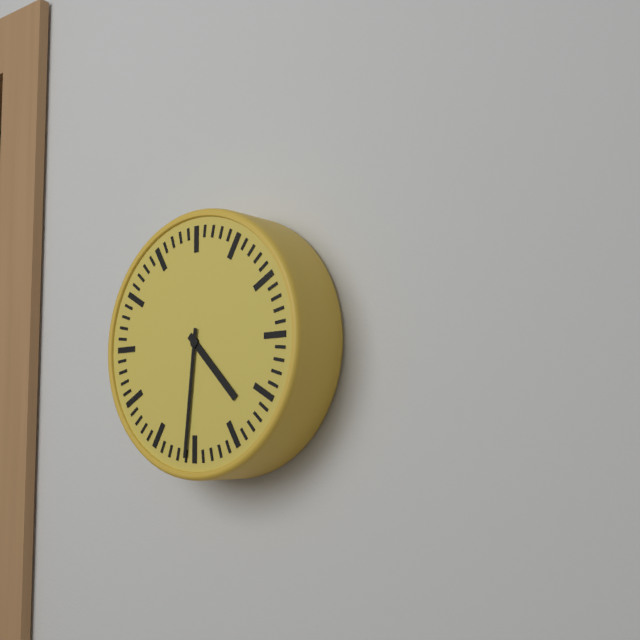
4 h 31 min
